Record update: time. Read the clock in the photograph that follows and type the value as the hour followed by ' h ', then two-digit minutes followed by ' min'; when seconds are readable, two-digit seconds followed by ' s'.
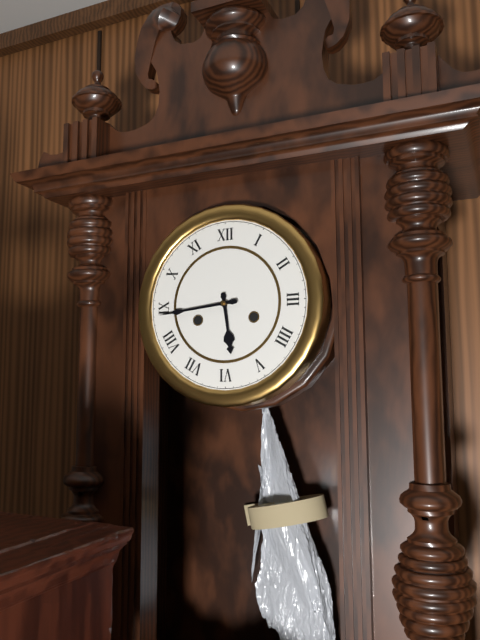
5 h 44 min
